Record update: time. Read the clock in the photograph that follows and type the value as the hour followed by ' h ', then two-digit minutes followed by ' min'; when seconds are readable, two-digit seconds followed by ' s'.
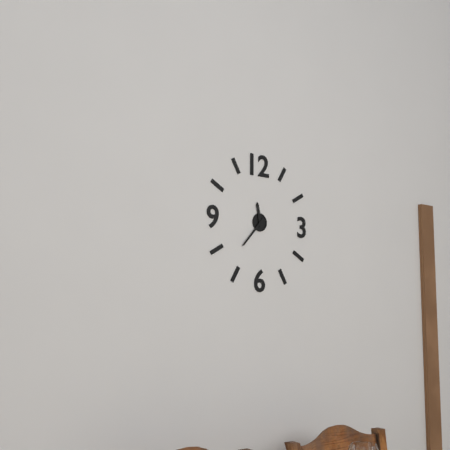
11 h 37 min
